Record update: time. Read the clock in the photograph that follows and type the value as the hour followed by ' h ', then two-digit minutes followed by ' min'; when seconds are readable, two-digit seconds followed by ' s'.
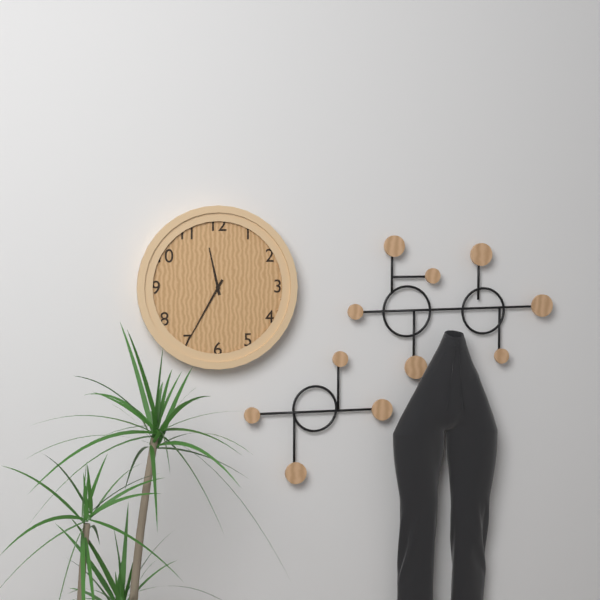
11 h 35 min
